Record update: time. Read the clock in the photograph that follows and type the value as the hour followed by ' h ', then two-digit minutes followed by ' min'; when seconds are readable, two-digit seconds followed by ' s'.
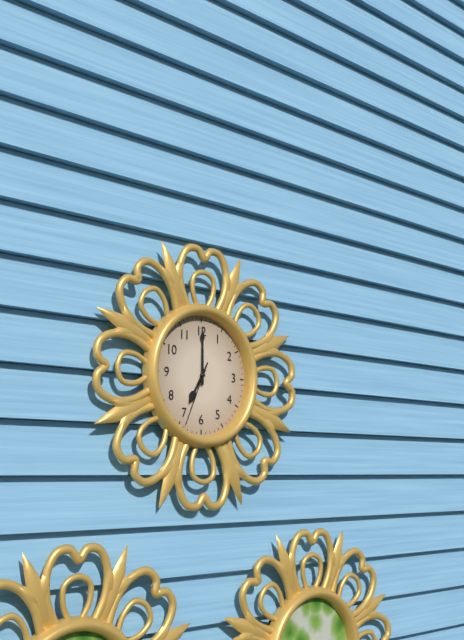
7 h 00 min 34 s
